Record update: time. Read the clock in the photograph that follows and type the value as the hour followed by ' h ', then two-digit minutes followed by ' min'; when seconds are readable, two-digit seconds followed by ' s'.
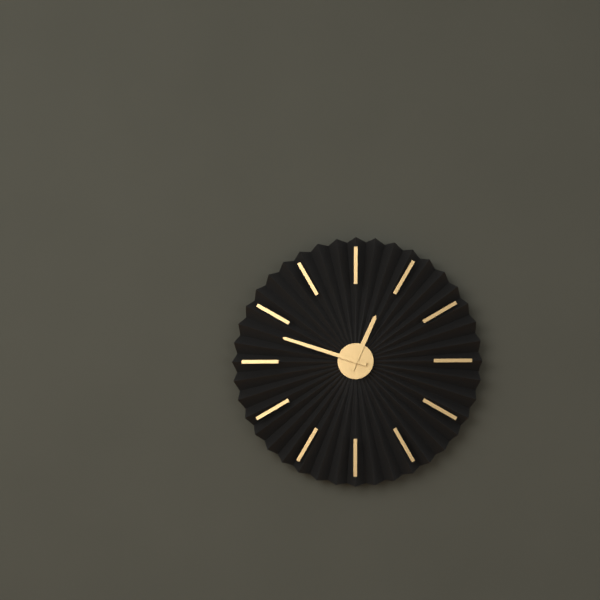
12 h 48 min
